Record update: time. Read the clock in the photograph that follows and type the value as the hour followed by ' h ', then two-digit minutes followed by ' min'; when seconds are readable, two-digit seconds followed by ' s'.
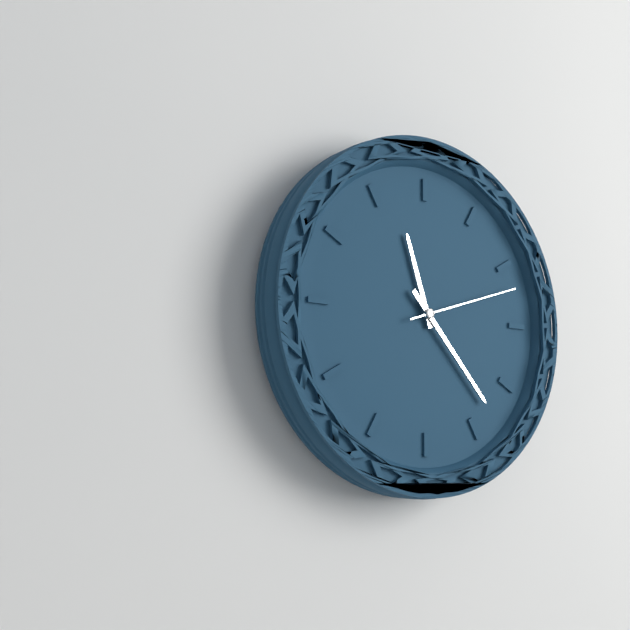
11 h 23 min 12 s
